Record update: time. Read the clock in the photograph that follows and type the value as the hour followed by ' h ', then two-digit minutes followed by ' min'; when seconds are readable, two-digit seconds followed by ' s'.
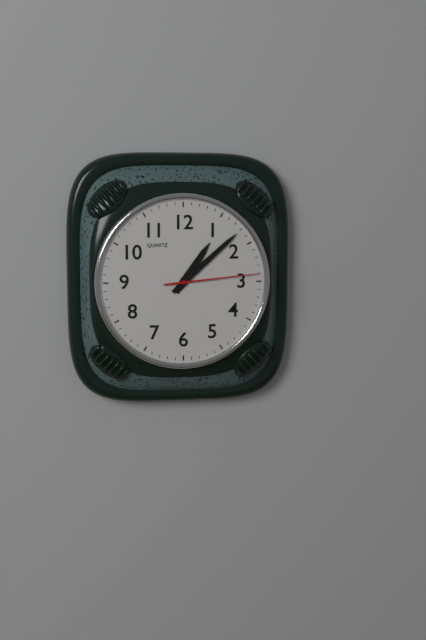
1 h 08 min 14 s
